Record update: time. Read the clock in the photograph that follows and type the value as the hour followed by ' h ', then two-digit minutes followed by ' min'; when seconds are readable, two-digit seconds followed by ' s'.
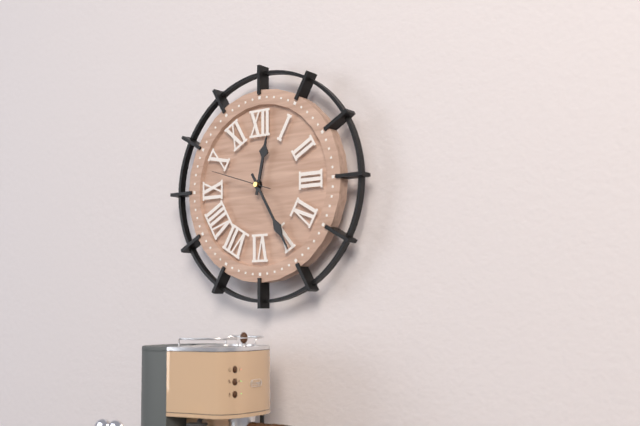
12 h 25 min 48 s
